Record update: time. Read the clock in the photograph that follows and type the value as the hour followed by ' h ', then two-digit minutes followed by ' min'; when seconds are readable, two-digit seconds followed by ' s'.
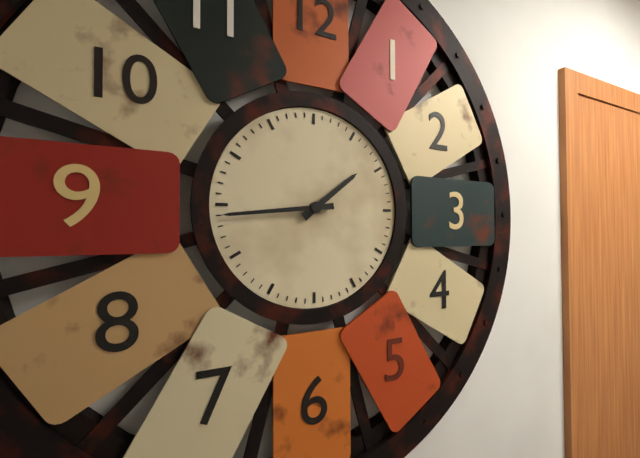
1 h 44 min
